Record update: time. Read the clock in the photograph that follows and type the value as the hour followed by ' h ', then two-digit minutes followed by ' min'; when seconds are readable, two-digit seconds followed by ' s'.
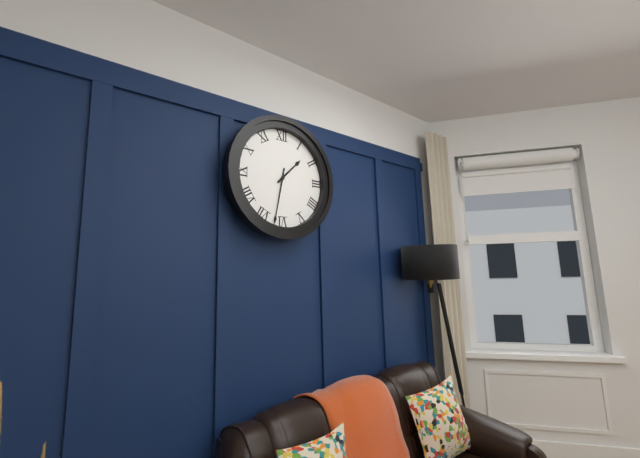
1 h 32 min
